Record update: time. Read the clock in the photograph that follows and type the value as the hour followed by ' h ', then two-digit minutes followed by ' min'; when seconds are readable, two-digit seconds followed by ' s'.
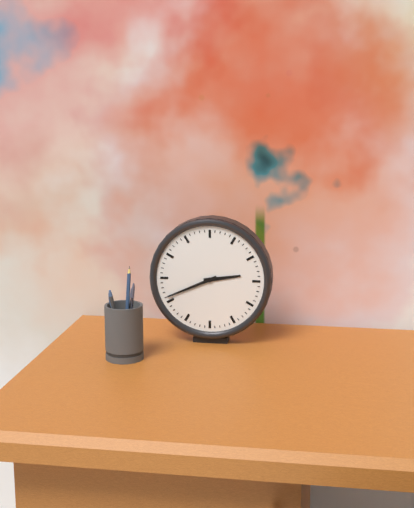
2 h 41 min
